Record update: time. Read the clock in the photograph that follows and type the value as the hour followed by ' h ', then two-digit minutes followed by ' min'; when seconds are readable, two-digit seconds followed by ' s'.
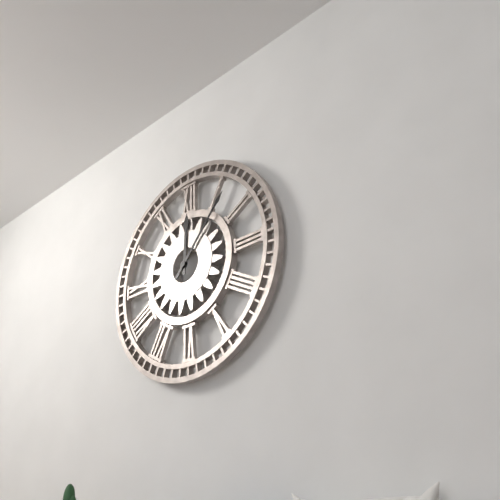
12 h 07 min
